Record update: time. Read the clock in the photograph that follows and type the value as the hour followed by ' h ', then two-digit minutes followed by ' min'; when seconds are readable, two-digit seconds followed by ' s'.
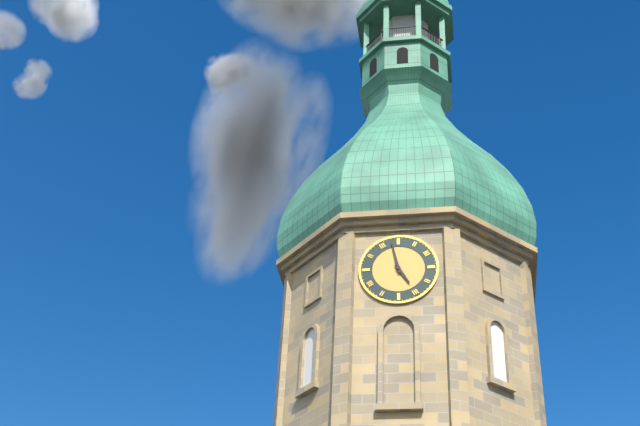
4 h 58 min
